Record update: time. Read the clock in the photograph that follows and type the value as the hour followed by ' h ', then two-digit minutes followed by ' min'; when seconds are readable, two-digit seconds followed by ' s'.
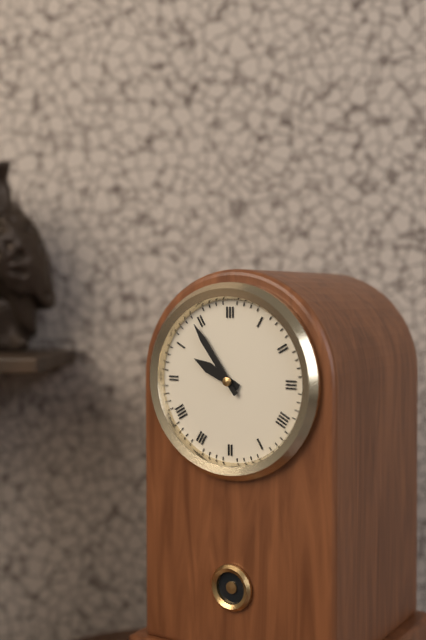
9 h 54 min
